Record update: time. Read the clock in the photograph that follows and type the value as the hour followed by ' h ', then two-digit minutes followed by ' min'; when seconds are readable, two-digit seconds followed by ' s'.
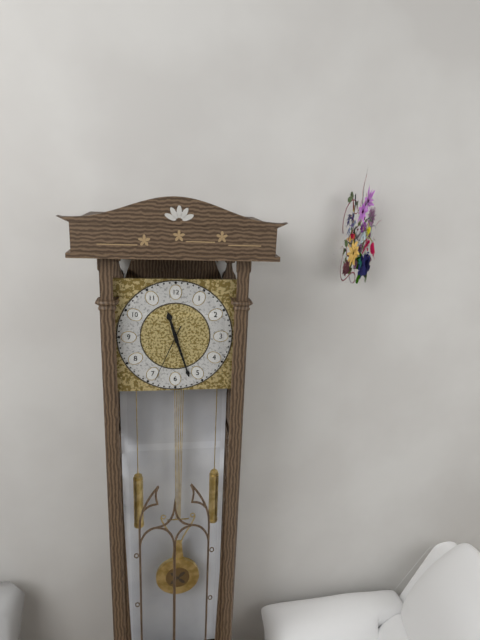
11 h 27 min 34 s
